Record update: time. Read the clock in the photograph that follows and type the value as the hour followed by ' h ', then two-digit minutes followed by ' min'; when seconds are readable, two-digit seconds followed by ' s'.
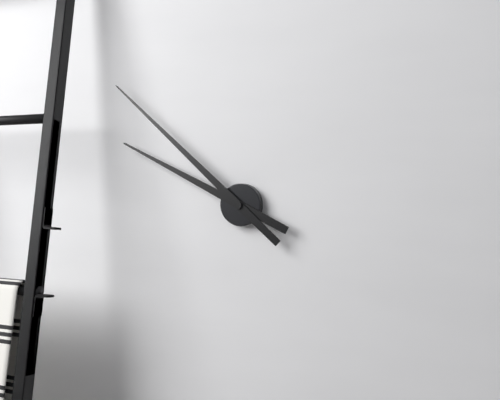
9 h 52 min
